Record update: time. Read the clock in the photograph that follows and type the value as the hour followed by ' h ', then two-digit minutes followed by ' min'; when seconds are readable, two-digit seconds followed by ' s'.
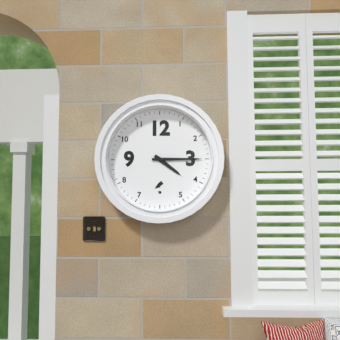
4 h 15 min
